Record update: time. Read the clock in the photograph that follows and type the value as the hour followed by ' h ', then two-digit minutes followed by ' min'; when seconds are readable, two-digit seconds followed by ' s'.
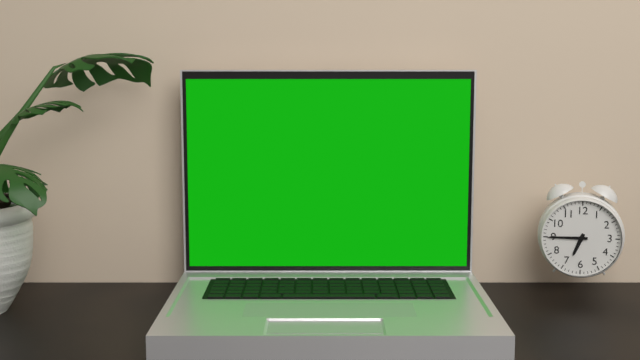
6 h 45 min
